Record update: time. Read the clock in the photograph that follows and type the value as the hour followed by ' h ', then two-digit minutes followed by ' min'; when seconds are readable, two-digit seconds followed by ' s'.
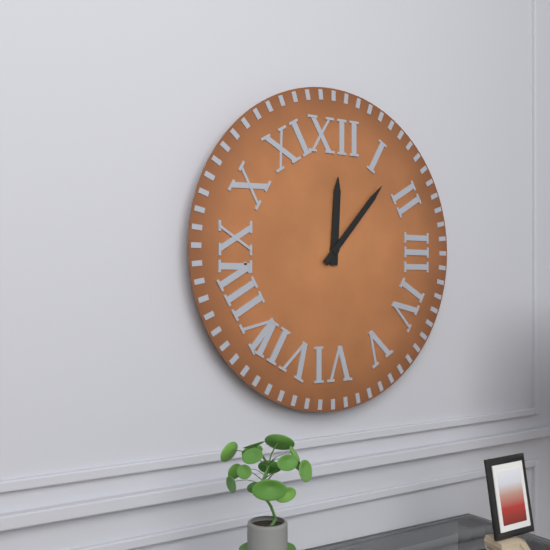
12 h 07 min
